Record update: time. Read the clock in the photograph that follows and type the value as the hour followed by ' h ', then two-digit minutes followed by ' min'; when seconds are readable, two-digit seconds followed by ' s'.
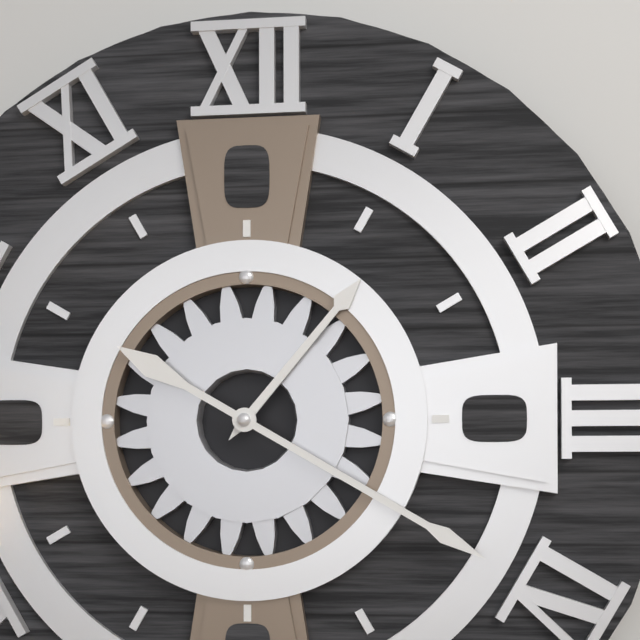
1 h 20 min
